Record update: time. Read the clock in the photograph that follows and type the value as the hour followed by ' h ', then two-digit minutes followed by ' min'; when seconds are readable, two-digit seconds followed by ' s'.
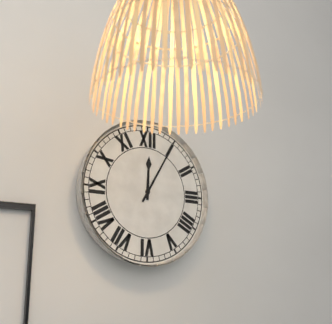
12 h 05 min
